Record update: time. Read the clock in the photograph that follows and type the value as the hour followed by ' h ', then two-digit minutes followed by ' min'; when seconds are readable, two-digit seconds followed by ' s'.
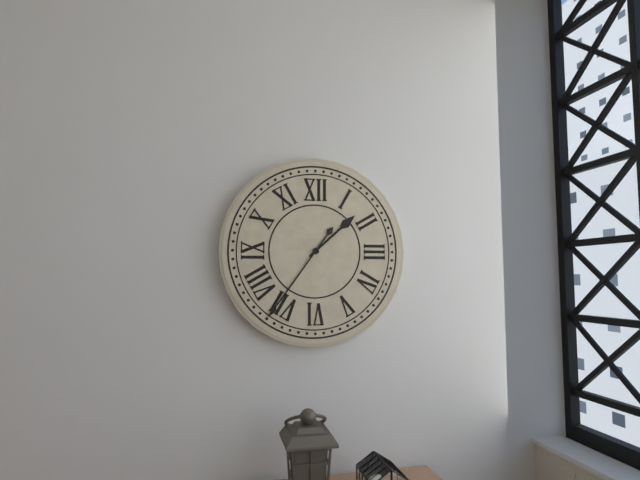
1 h 36 min
